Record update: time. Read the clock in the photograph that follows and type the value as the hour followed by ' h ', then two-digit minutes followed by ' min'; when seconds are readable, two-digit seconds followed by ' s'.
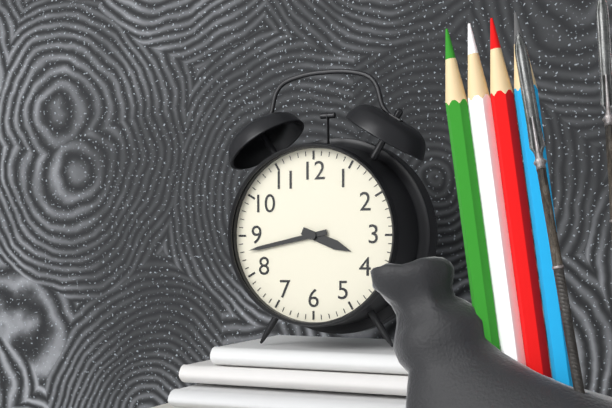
3 h 43 min
